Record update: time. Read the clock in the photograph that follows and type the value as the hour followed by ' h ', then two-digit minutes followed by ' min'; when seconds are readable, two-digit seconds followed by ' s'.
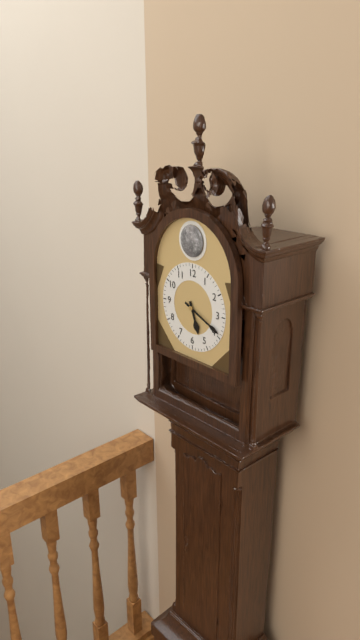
5 h 19 min
